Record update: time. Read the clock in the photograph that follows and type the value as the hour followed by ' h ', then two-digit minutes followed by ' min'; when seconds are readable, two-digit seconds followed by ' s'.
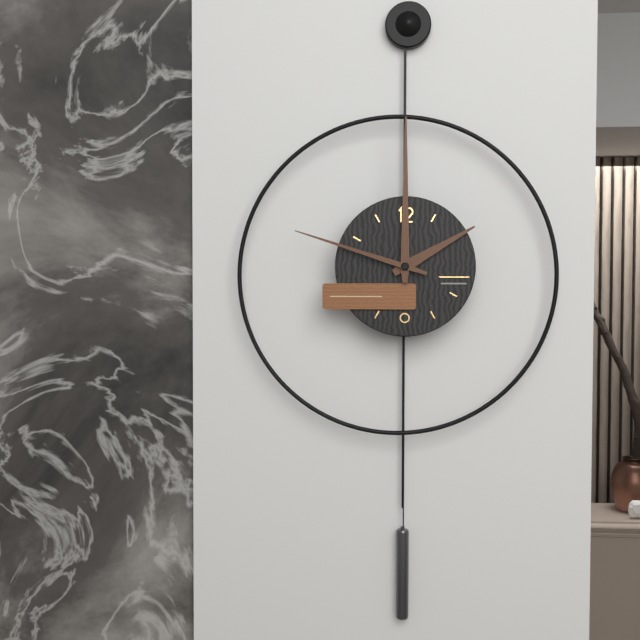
2 h 00 min 48 s
